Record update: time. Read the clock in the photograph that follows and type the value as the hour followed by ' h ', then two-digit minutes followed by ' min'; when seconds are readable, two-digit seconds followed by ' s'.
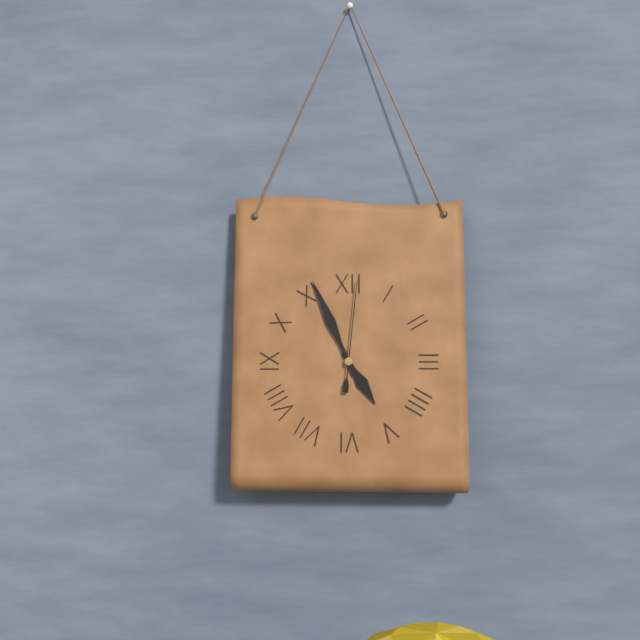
4 h 56 min 01 s
